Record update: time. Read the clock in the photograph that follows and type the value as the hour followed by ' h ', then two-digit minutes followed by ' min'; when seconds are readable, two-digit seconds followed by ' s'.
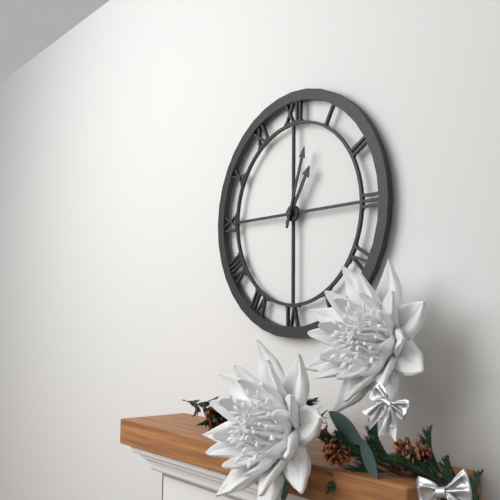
1 h 03 min
